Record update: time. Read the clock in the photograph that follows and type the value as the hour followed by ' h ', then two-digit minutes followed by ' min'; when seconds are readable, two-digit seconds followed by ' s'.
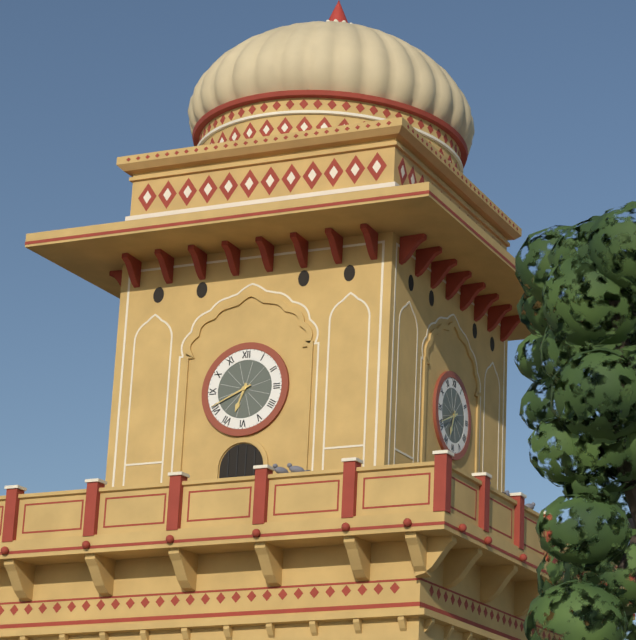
6 h 41 min
